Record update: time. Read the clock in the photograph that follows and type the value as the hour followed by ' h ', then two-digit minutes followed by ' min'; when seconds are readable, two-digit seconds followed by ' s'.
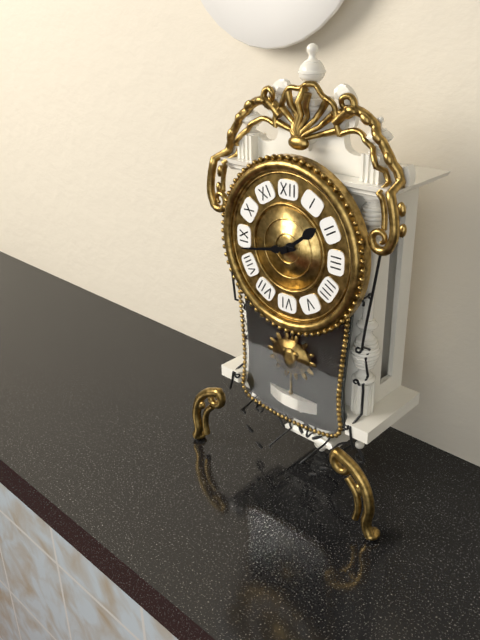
1 h 43 min
